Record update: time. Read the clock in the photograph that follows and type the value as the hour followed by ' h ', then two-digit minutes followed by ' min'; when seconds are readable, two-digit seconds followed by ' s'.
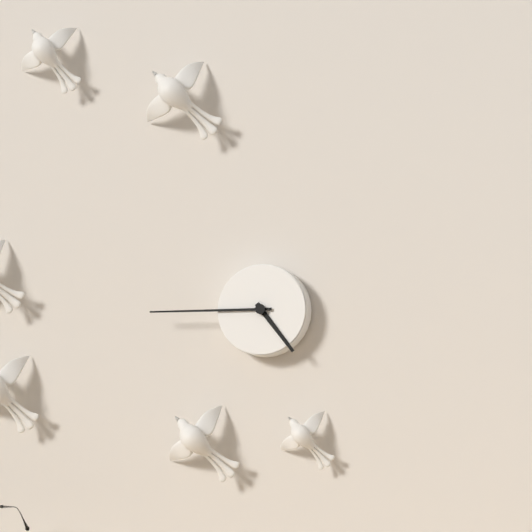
4 h 45 min
